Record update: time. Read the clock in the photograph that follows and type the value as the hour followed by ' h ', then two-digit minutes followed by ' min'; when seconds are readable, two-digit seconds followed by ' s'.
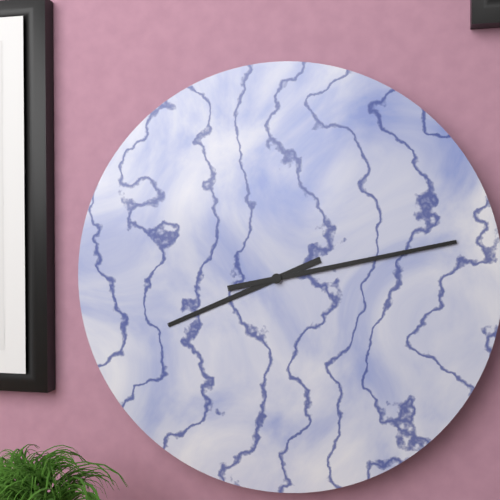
8 h 13 min
